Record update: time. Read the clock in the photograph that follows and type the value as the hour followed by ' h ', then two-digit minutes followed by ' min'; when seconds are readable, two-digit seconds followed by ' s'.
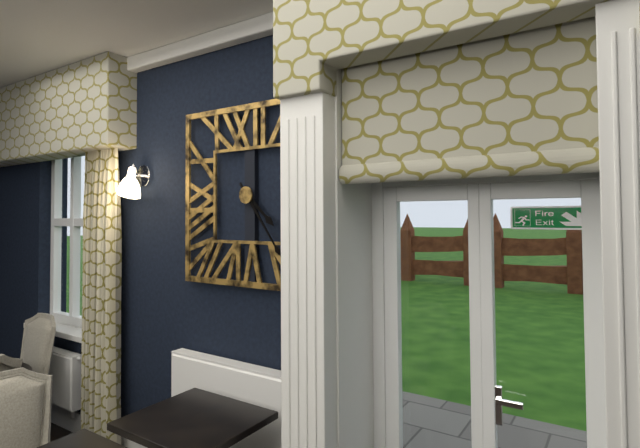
4 h 24 min
